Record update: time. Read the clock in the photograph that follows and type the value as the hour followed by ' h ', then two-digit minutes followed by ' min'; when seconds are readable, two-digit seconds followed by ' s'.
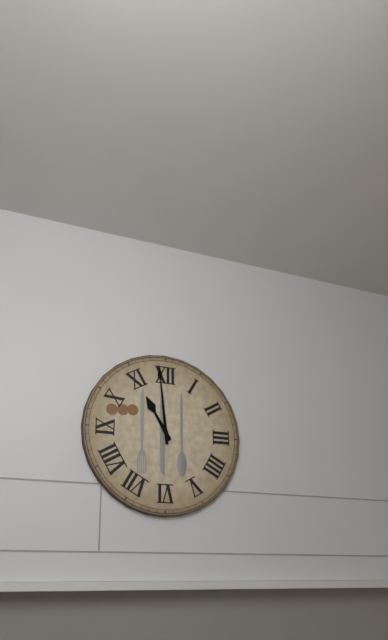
10 h 59 min
